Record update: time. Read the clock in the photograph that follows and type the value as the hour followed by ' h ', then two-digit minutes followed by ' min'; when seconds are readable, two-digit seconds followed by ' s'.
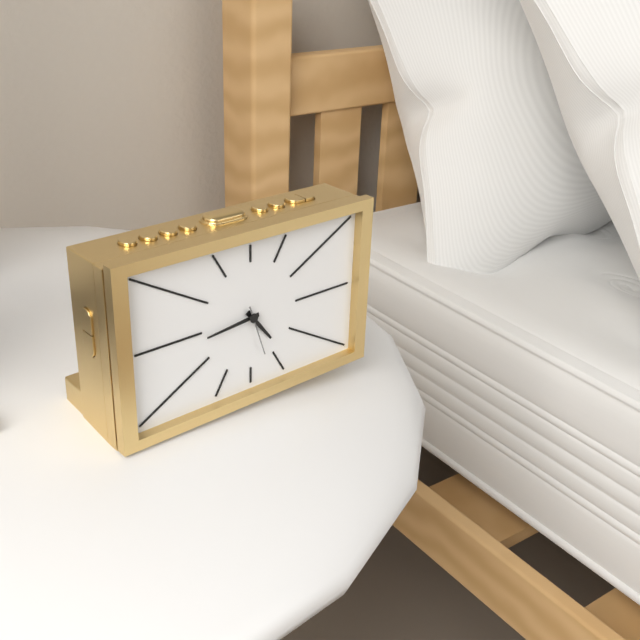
4 h 44 min
